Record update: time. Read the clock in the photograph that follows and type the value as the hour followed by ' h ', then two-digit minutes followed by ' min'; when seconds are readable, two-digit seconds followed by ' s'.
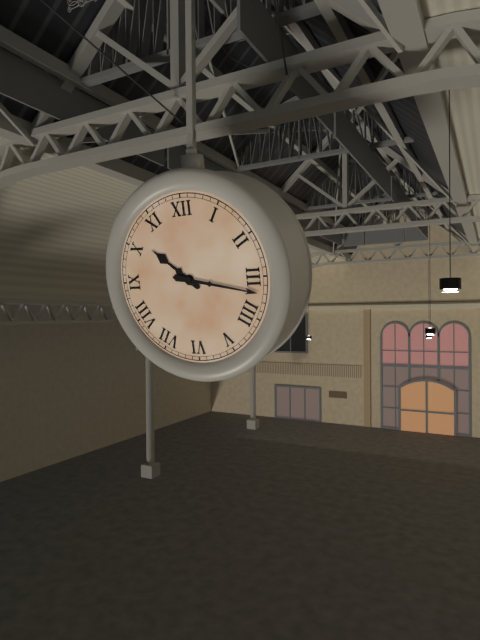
10 h 17 min
